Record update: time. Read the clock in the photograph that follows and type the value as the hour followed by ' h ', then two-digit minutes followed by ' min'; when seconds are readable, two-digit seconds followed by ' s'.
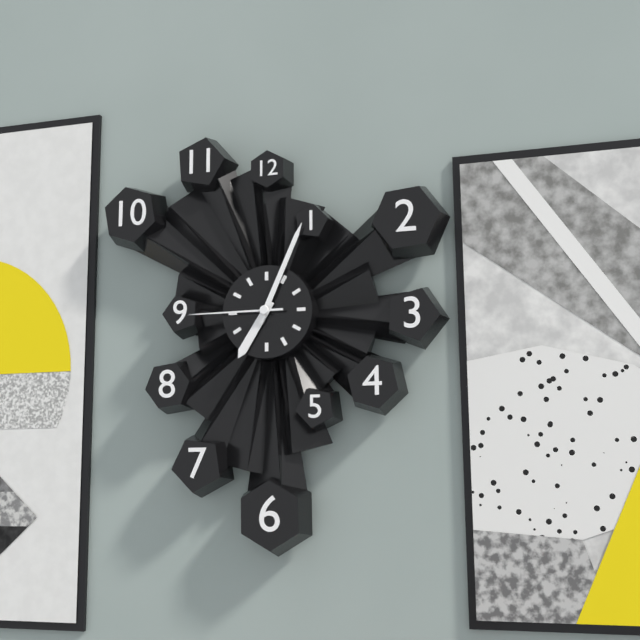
7 h 04 min 45 s
